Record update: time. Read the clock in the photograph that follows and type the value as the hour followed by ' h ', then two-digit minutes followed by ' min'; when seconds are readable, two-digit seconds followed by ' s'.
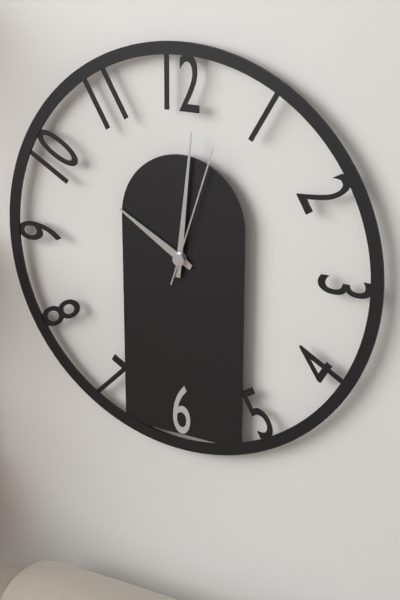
10 h 01 min 03 s
